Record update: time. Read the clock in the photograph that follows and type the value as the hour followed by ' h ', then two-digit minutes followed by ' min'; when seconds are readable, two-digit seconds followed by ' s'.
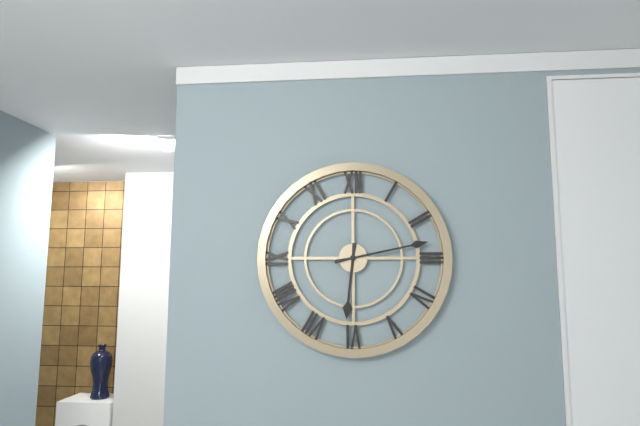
6 h 13 min
